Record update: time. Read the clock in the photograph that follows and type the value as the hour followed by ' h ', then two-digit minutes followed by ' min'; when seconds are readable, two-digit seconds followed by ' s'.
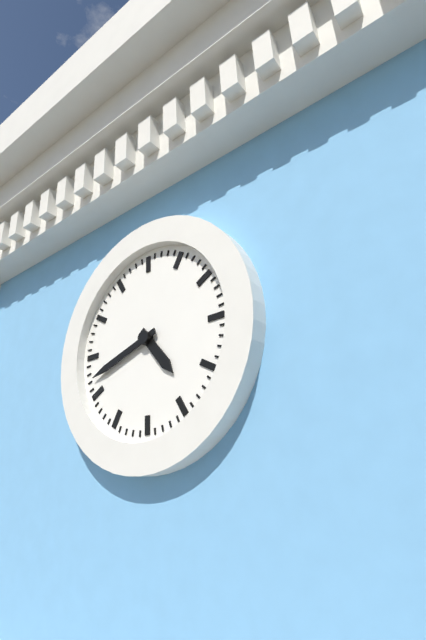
4 h 42 min
